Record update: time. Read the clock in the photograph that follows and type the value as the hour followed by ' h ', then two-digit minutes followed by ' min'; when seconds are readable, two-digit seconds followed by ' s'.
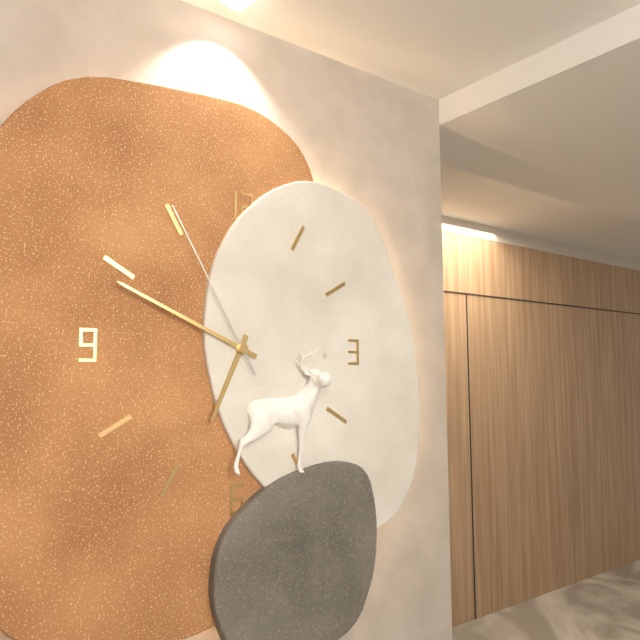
6 h 49 min 55 s
